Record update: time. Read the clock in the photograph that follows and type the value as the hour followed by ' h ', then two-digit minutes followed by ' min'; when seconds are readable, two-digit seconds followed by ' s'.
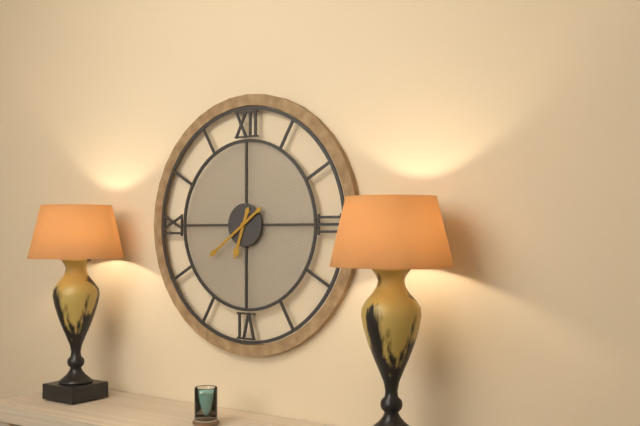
6 h 39 min
